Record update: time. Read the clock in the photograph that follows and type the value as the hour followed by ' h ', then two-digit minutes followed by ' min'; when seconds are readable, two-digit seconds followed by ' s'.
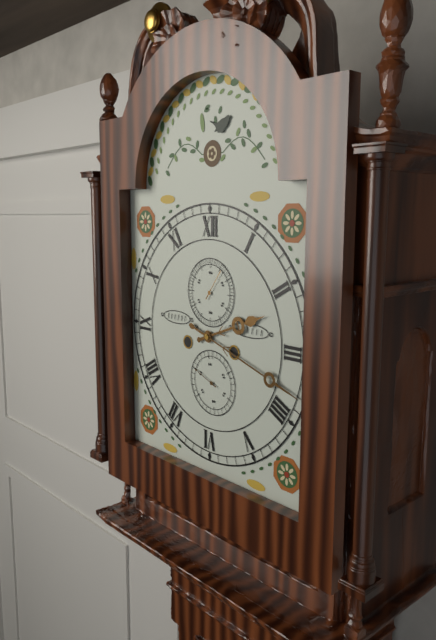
2 h 18 min
